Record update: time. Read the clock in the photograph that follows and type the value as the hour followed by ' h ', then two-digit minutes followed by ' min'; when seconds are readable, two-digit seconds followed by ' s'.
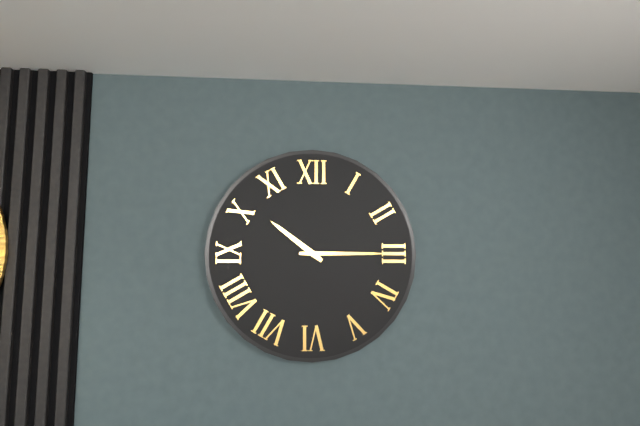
10 h 15 min
